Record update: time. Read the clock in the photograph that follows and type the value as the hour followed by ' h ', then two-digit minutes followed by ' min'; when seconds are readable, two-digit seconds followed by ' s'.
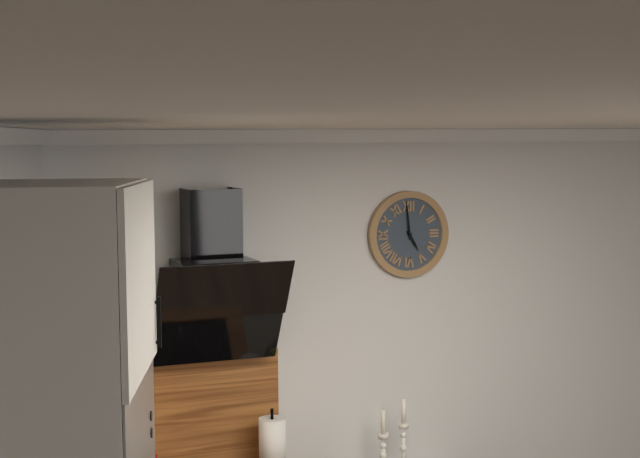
4 h 59 min
